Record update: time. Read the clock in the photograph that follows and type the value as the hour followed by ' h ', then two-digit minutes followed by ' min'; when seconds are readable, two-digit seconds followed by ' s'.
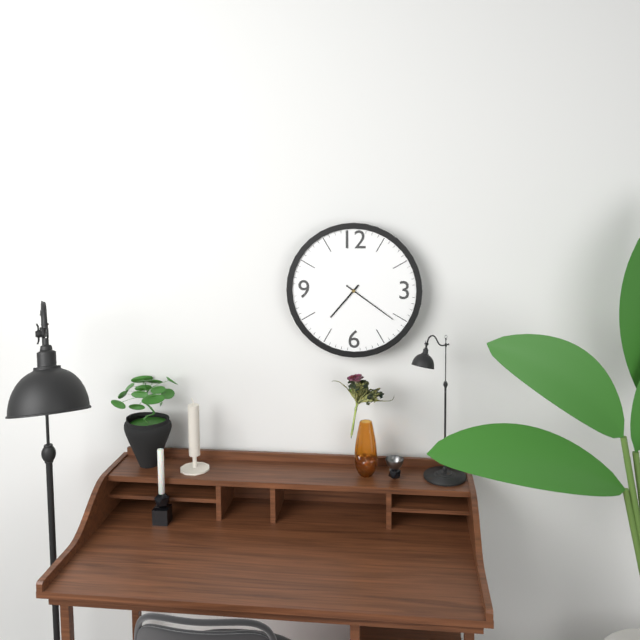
7 h 21 min
